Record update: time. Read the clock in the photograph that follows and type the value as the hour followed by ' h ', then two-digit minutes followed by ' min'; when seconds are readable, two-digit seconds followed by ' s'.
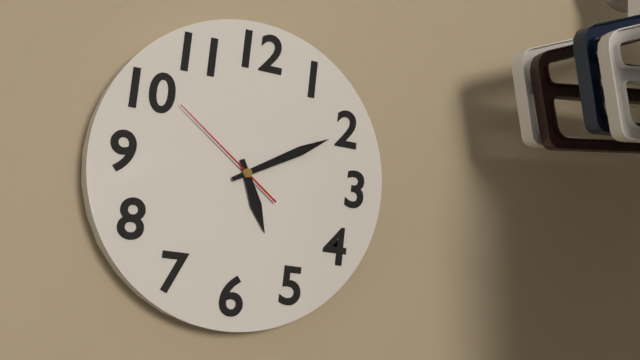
5 h 10 min 51 s
